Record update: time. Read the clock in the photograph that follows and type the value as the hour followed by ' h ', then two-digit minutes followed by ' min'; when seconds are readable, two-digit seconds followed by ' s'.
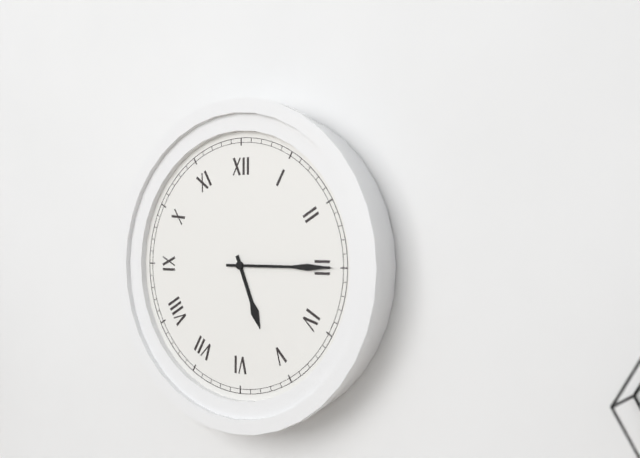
5 h 15 min
